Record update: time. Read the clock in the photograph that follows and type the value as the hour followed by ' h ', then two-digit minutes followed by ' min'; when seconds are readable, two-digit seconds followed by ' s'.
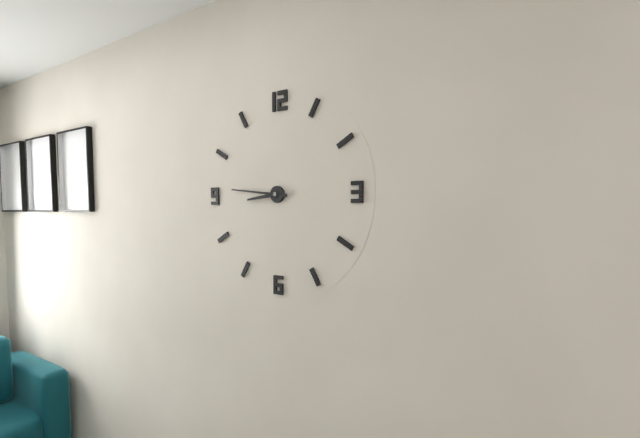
8 h 46 min
